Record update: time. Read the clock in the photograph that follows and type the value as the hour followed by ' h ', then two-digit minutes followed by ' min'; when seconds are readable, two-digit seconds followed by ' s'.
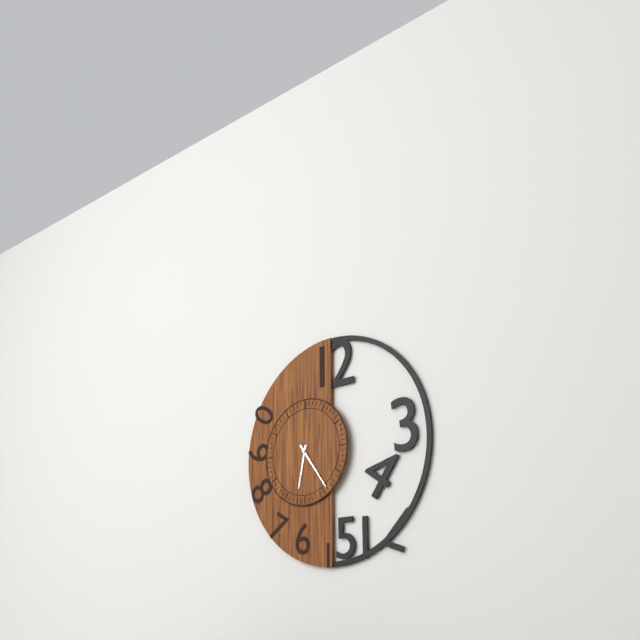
6 h 24 min
